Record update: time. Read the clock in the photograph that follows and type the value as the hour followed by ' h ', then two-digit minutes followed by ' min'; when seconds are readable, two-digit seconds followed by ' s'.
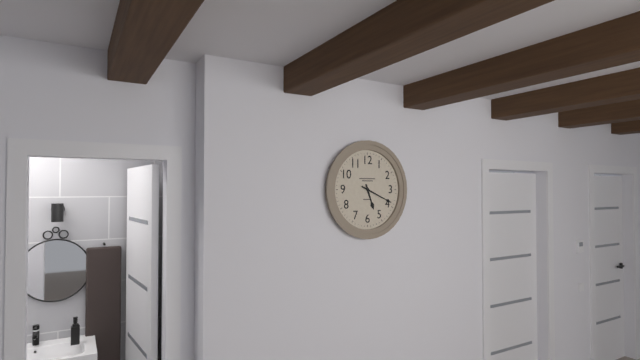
5 h 19 min
